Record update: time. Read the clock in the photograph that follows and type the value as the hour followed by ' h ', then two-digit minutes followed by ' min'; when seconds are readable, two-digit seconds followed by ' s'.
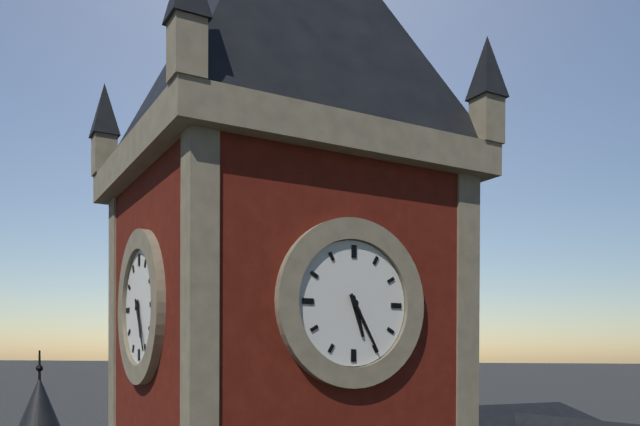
5 h 25 min
